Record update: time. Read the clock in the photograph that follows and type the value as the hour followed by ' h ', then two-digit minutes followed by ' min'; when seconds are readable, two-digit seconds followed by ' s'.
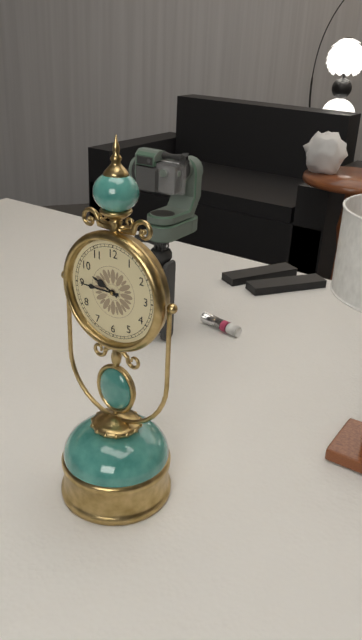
9 h 45 min
